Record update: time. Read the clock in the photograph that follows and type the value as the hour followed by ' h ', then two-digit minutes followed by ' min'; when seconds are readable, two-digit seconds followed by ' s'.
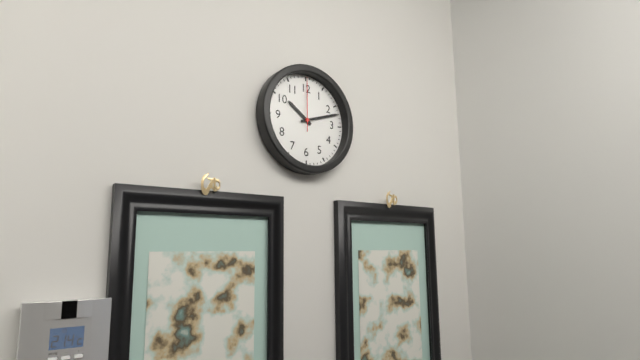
10 h 12 min 00 s
